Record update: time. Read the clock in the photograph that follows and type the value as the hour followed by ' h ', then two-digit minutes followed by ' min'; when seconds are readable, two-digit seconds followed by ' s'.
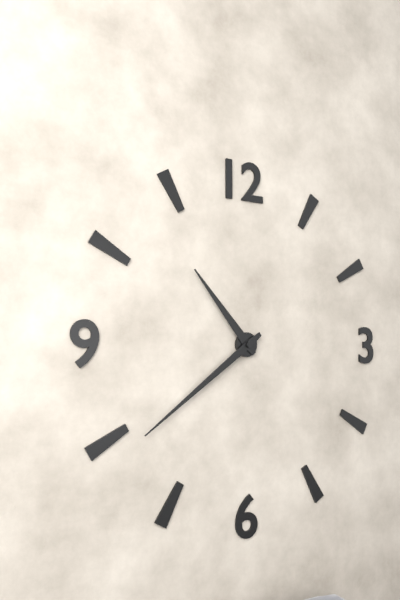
10 h 39 min
